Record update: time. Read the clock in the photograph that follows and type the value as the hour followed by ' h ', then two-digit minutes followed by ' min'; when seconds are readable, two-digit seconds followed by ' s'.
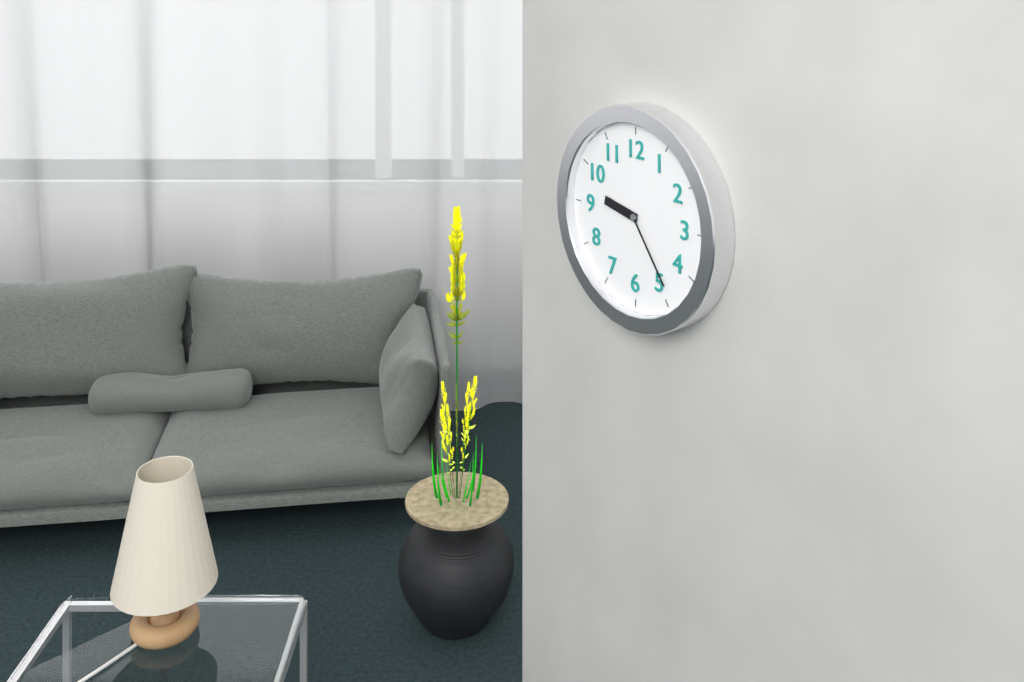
9 h 24 min
